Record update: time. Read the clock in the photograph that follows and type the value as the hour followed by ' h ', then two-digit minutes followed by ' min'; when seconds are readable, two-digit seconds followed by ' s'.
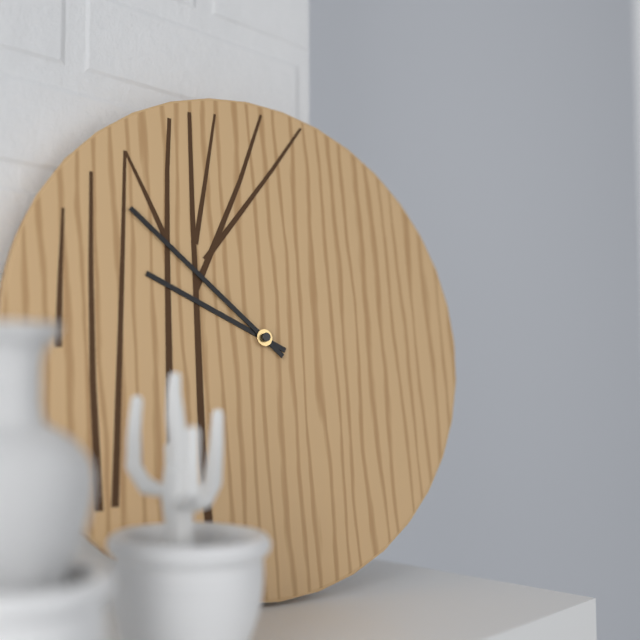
9 h 52 min
